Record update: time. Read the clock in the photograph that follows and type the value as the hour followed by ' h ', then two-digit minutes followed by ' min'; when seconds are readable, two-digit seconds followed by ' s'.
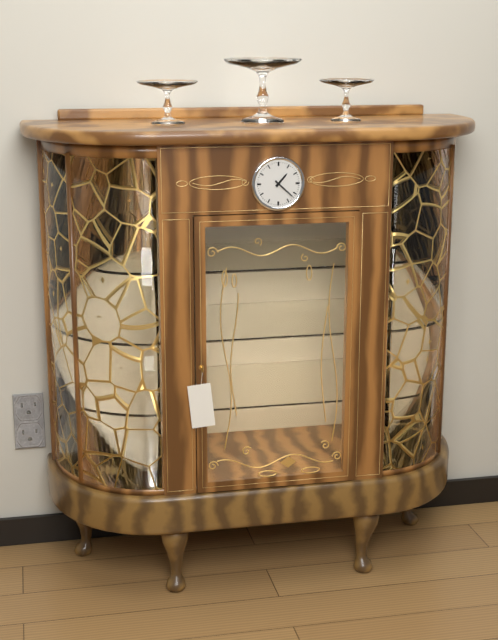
1 h 22 min
